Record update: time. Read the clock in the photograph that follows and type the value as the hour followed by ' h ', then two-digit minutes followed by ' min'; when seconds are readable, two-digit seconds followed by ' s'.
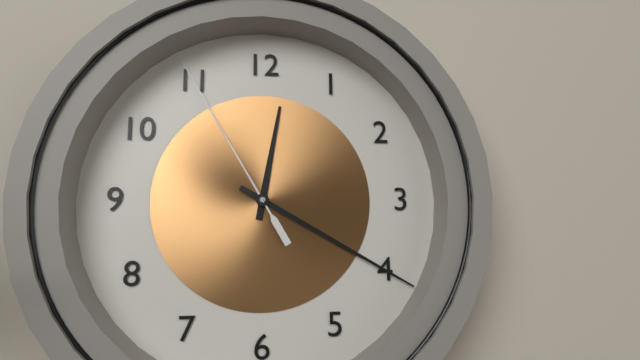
12 h 20 min 55 s
